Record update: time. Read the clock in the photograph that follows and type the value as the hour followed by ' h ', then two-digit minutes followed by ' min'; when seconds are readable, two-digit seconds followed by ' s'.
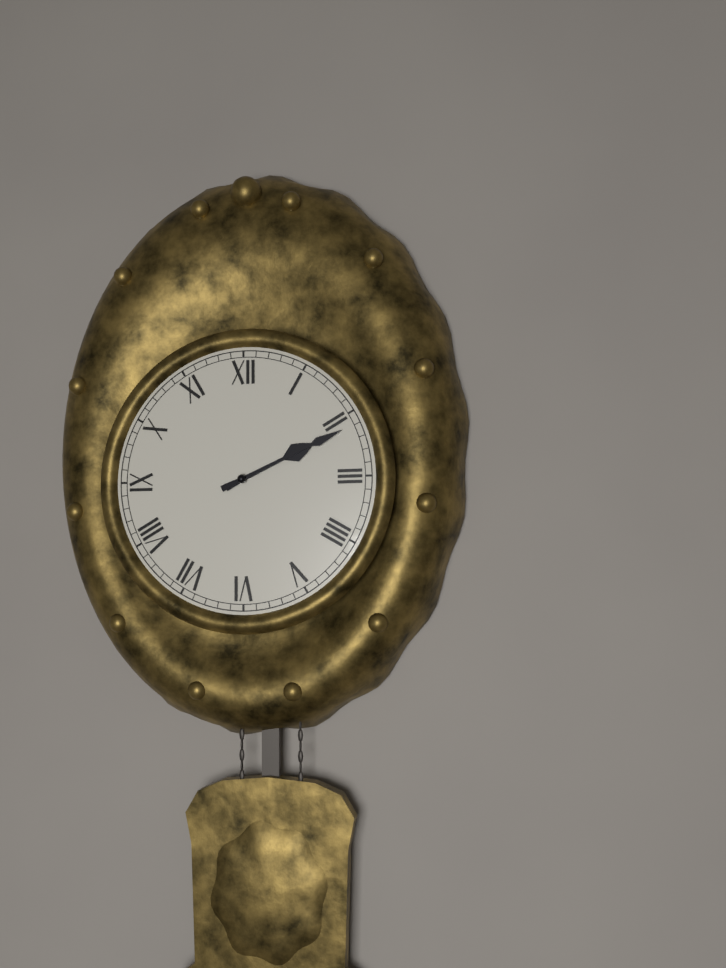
2 h 11 min
